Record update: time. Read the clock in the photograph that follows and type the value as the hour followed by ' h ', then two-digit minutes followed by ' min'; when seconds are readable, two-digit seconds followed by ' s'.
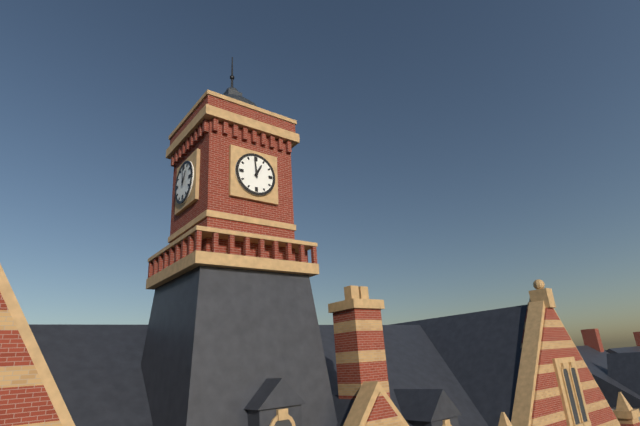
12 h 59 min
